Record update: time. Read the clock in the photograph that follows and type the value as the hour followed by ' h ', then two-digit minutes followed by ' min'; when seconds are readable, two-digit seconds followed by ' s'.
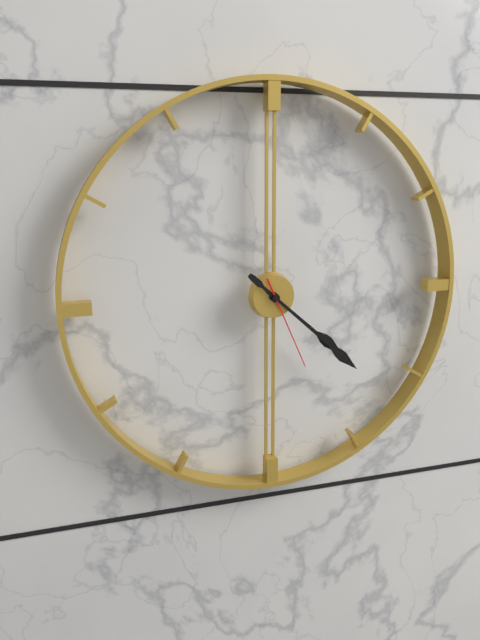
4 h 22 min 26 s
